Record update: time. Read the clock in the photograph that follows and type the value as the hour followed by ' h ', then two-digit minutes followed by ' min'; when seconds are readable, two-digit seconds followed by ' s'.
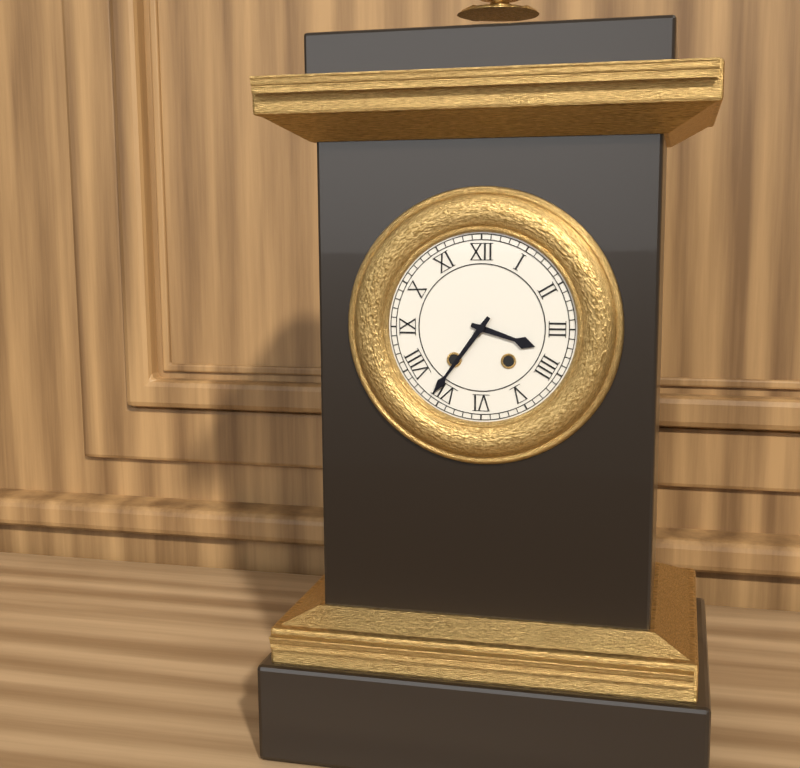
3 h 36 min
